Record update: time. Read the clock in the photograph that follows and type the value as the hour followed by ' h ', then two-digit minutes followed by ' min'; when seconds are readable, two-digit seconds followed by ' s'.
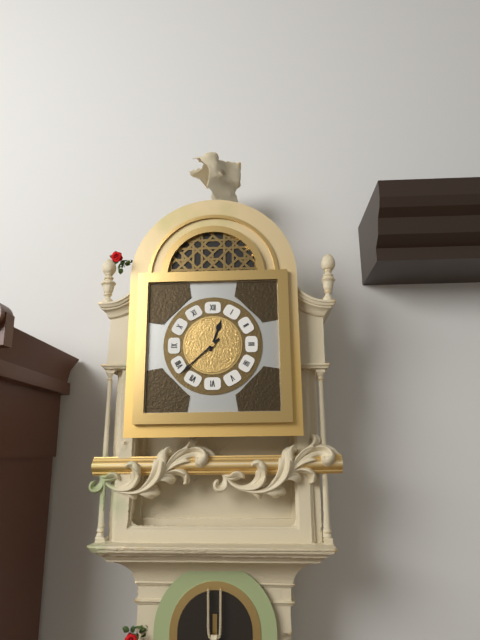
12 h 38 min
